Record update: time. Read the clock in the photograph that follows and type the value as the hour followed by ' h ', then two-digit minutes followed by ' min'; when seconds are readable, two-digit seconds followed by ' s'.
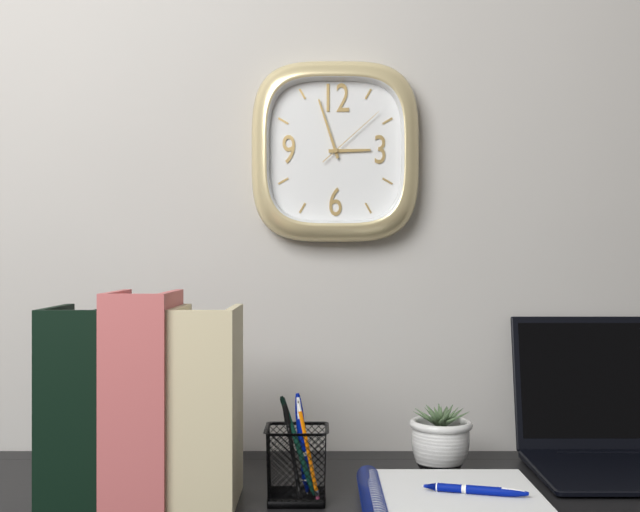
2 h 57 min 08 s
